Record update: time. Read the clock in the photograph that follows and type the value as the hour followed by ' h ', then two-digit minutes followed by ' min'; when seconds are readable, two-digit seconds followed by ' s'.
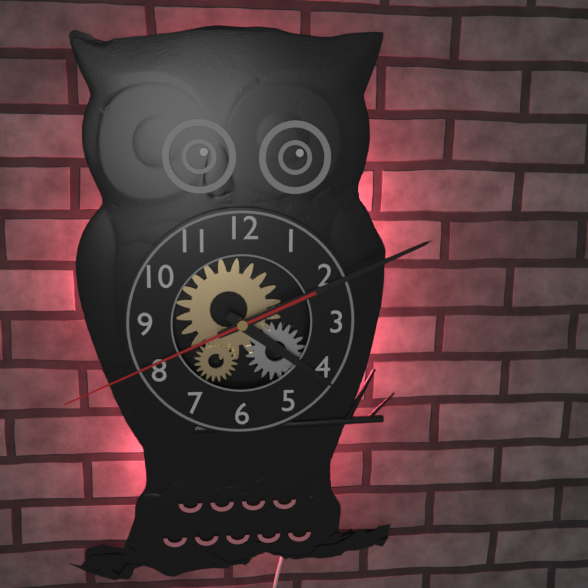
4 h 11 min 41 s
